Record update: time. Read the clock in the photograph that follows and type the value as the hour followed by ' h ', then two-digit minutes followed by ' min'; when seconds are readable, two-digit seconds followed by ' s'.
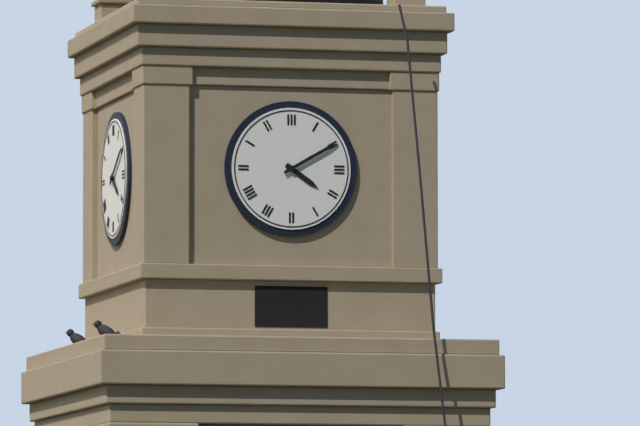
4 h 10 min
